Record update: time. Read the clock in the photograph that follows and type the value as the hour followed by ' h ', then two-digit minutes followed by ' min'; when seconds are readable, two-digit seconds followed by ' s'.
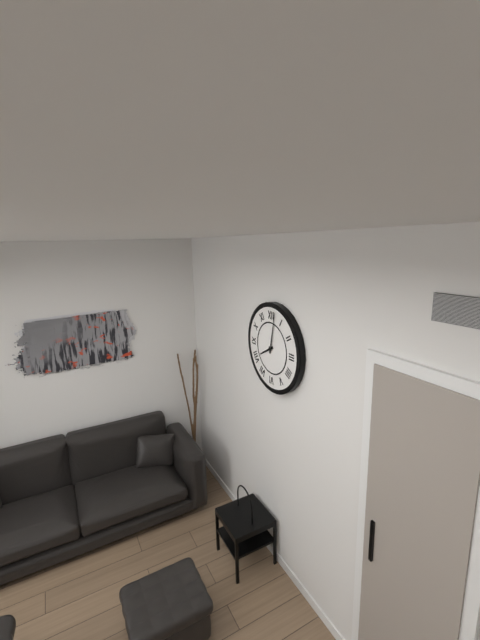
8 h 02 min
